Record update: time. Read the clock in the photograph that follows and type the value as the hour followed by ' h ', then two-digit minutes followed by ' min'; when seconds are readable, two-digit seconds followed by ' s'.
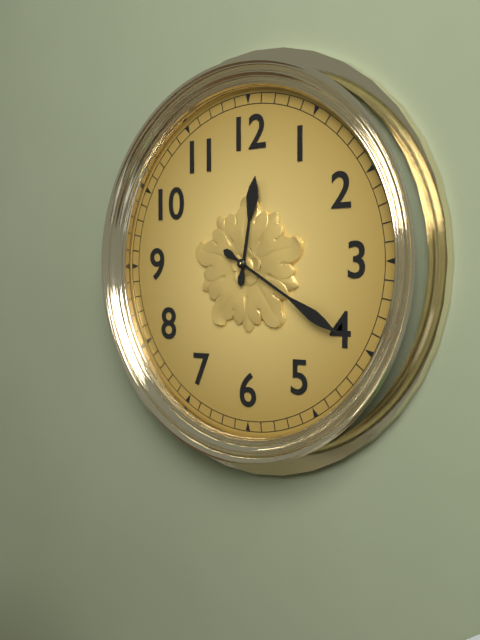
12 h 20 min
